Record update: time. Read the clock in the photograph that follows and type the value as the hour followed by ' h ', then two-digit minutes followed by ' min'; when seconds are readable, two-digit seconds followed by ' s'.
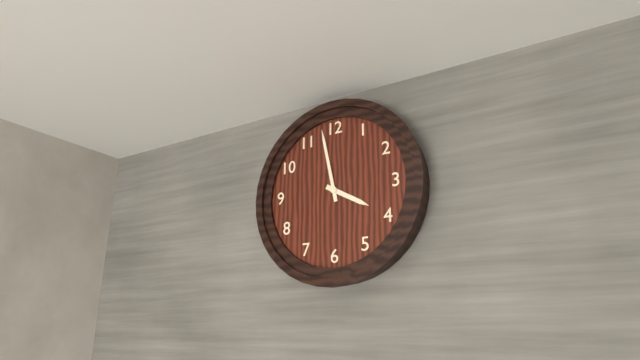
3 h 58 min
